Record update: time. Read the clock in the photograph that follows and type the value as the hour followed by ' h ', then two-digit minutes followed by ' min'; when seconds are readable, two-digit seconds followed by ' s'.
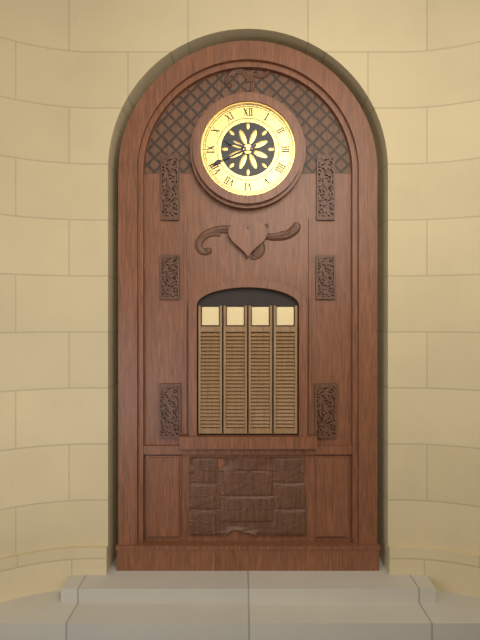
9 h 41 min
